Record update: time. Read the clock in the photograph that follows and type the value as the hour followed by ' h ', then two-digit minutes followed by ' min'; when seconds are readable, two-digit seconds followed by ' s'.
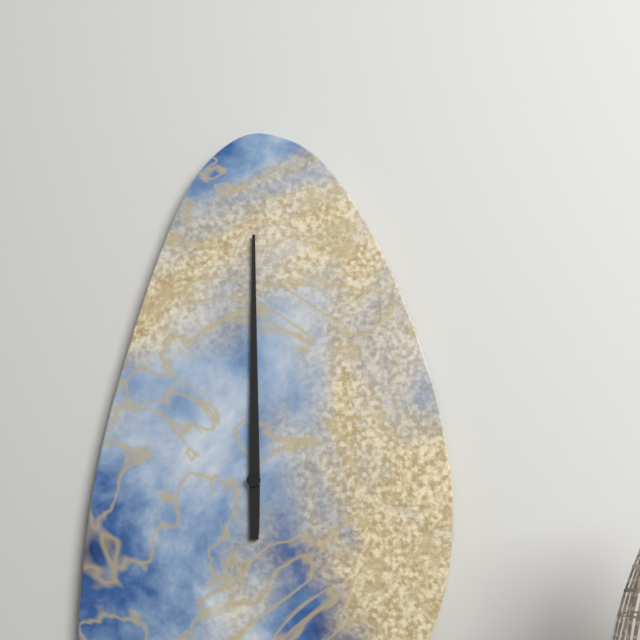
12 h 00 min
